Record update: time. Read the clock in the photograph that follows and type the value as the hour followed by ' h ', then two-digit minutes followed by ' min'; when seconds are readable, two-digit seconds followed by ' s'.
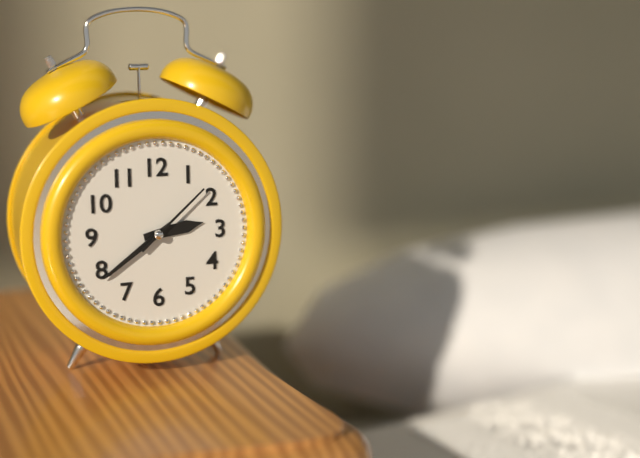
2 h 39 min 08 s
